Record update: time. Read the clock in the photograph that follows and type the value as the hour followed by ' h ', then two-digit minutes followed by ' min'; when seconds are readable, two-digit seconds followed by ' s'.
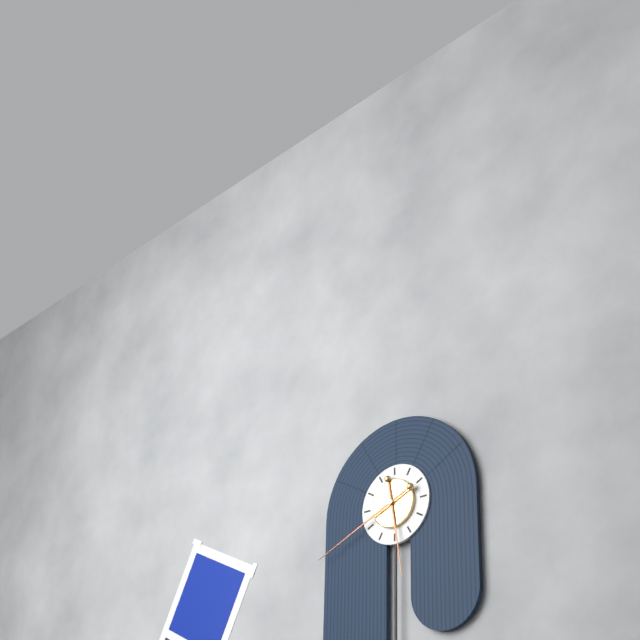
5 h 41 min
